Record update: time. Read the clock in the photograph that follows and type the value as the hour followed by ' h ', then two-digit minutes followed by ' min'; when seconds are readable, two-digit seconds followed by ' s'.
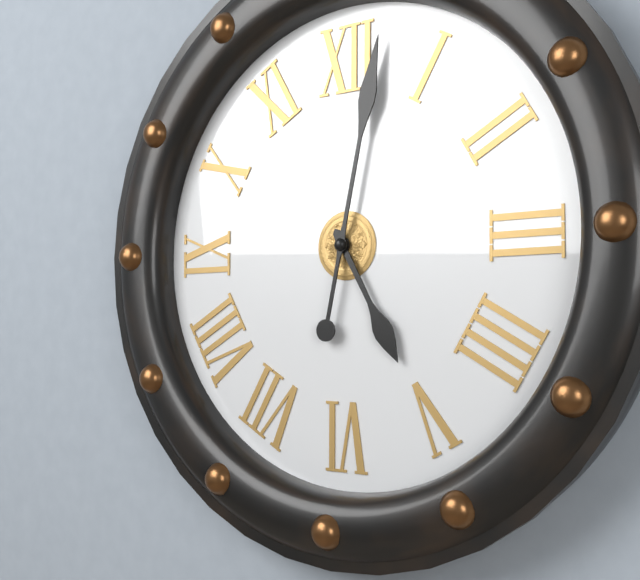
5 h 02 min
